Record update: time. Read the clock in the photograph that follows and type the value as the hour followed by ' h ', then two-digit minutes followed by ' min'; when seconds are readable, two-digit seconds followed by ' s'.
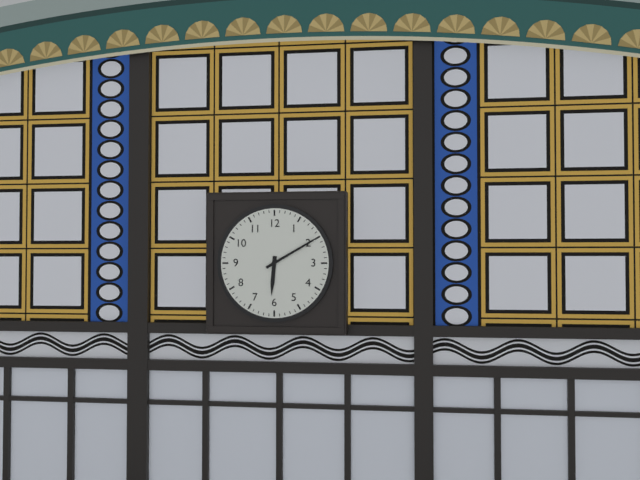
6 h 10 min
